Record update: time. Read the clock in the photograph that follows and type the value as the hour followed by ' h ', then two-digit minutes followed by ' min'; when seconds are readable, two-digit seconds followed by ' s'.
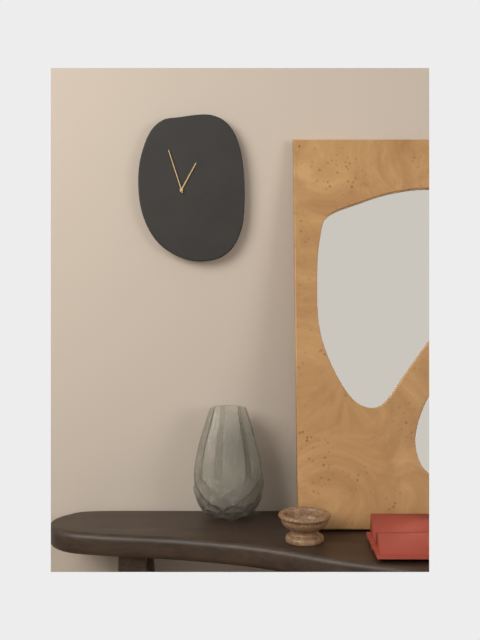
12 h 57 min
